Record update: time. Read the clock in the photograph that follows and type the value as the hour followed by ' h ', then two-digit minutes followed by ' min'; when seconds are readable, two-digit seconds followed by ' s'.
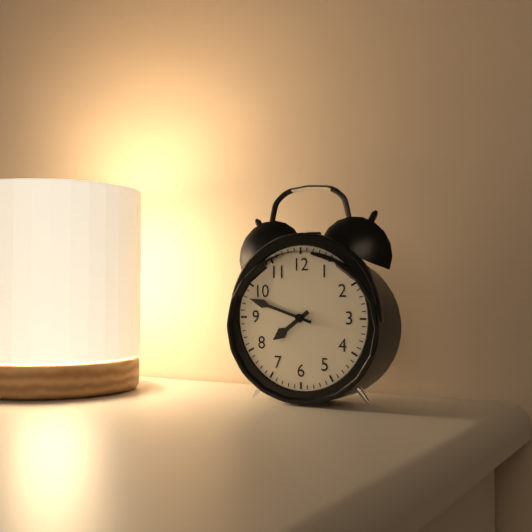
7 h 48 min
